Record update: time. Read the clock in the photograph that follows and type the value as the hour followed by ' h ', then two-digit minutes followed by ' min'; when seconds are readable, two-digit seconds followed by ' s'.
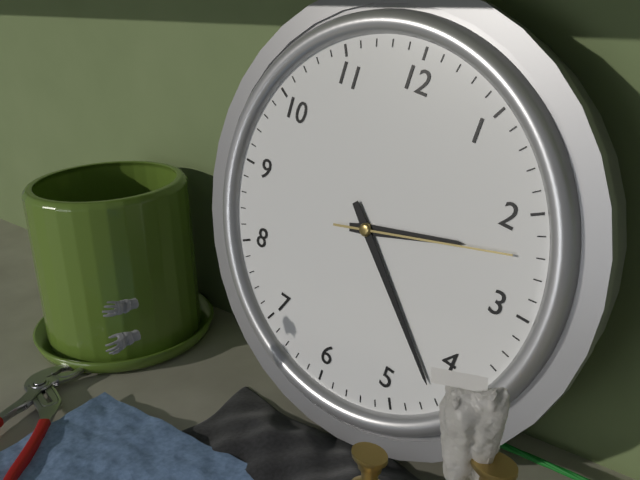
2 h 22 min 12 s
